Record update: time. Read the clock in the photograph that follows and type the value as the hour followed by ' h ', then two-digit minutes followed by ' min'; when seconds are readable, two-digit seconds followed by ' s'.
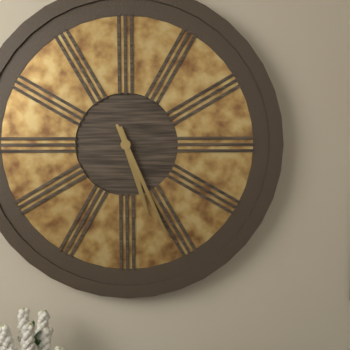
5 h 26 min
